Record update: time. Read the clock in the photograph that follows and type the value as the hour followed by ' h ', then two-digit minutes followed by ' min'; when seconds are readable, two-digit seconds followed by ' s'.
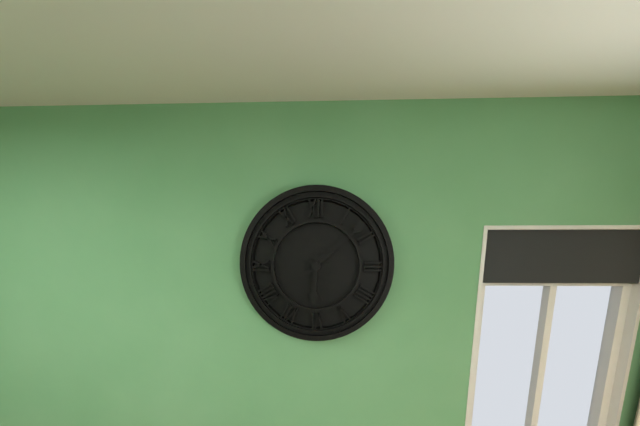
6 h 08 min
